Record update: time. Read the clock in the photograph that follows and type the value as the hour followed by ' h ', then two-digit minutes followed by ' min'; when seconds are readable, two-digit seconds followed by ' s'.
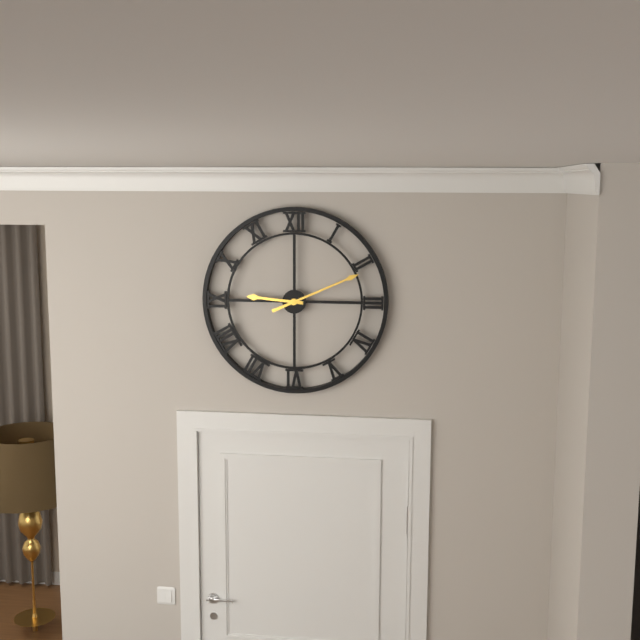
9 h 11 min
